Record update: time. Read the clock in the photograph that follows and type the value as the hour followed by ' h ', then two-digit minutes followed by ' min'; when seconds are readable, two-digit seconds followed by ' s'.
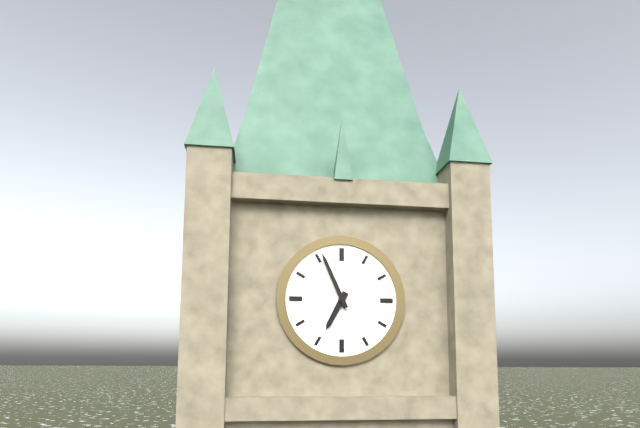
6 h 56 min
